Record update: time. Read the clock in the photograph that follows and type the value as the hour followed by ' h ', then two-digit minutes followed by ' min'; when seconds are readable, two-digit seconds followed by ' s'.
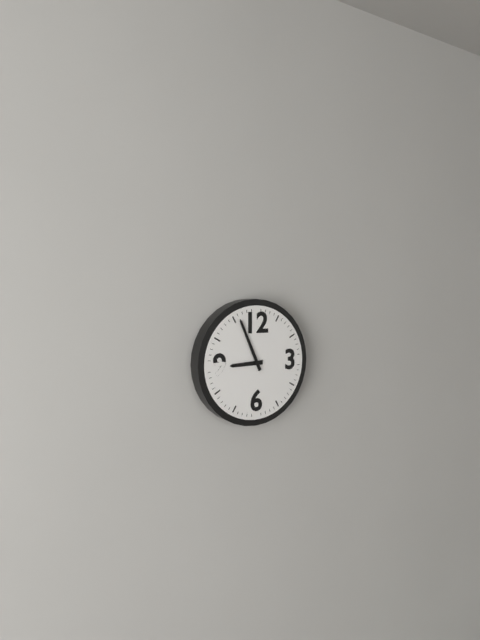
8 h 56 min
